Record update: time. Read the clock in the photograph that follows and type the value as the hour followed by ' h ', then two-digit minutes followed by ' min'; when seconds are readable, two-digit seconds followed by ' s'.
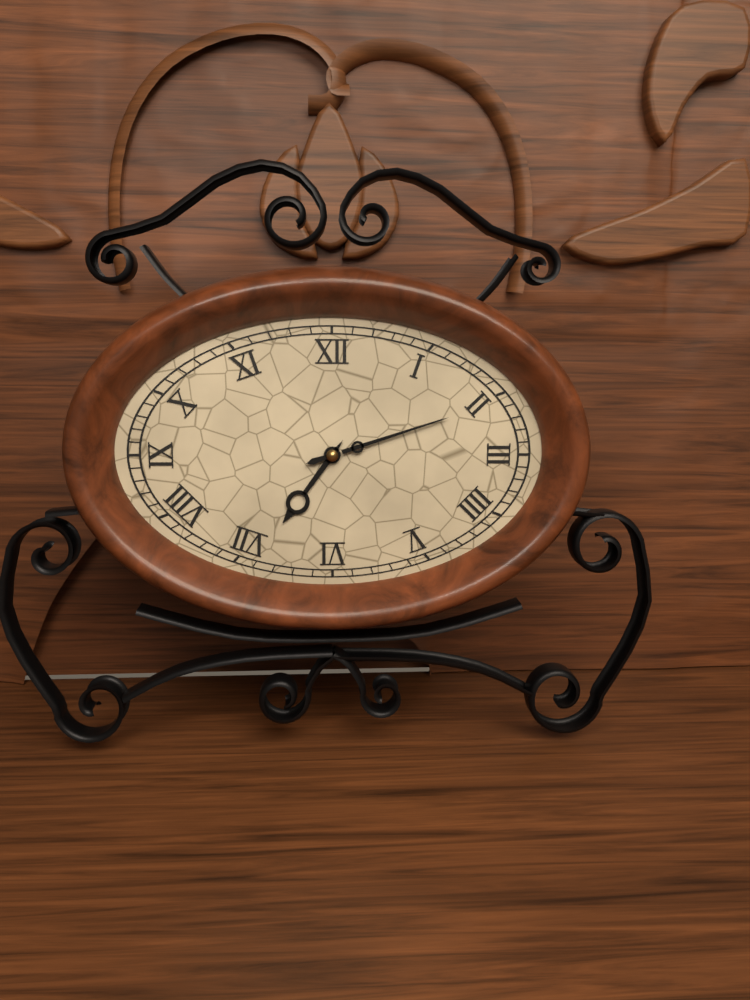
7 h 12 min
